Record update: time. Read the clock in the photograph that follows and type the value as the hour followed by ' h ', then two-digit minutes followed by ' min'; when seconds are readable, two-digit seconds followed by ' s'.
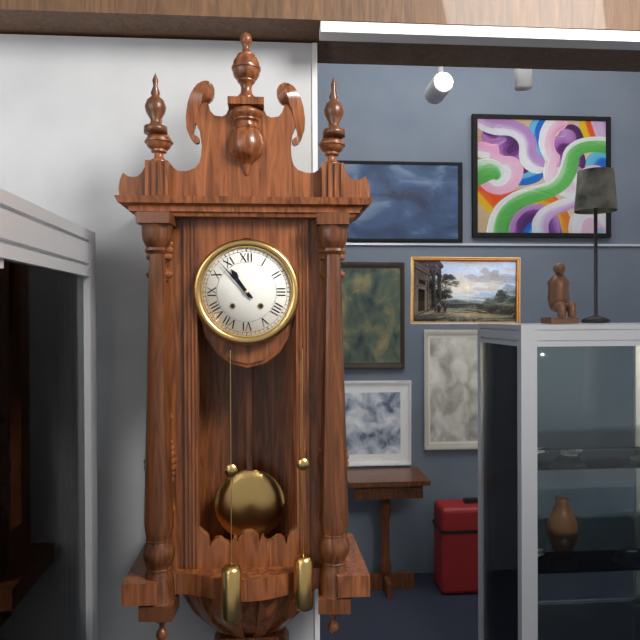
10 h 53 min
